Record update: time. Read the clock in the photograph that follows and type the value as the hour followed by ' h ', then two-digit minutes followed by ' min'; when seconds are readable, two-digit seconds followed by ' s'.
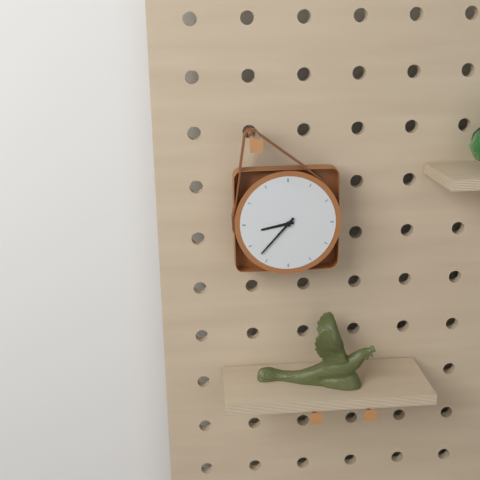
8 h 37 min
